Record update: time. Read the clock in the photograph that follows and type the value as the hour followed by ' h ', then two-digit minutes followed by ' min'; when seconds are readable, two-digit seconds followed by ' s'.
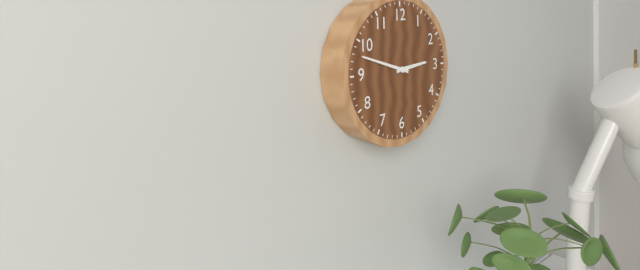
2 h 48 min
